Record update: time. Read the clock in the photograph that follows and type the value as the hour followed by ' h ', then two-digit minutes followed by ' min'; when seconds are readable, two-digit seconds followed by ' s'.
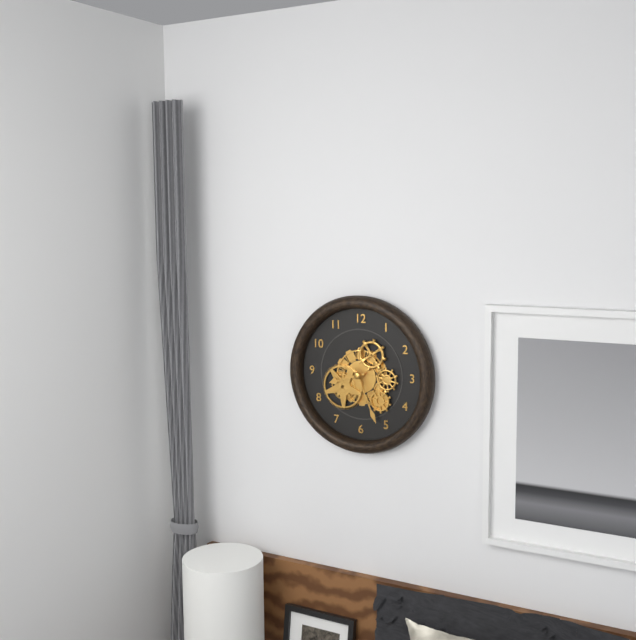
8 h 26 min
